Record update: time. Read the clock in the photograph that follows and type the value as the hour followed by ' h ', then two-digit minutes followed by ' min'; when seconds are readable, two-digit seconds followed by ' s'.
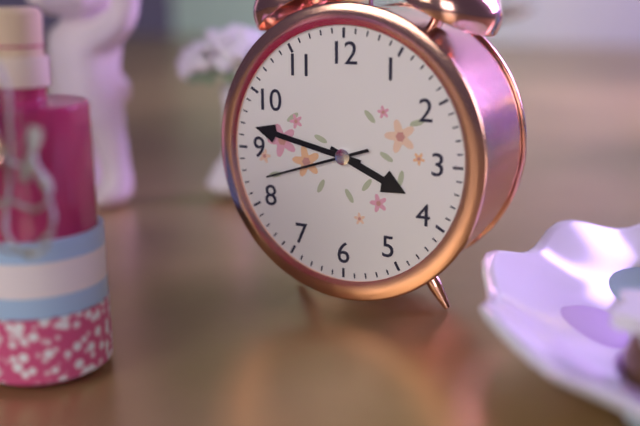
3 h 47 min 42 s
